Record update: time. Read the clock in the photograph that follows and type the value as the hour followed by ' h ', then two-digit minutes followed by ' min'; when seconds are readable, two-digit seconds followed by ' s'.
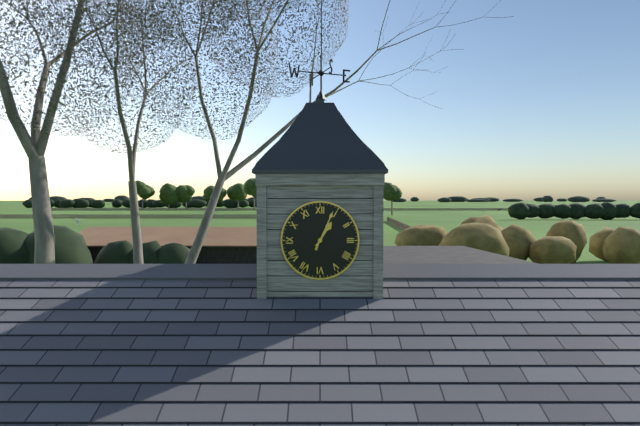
1 h 04 min
